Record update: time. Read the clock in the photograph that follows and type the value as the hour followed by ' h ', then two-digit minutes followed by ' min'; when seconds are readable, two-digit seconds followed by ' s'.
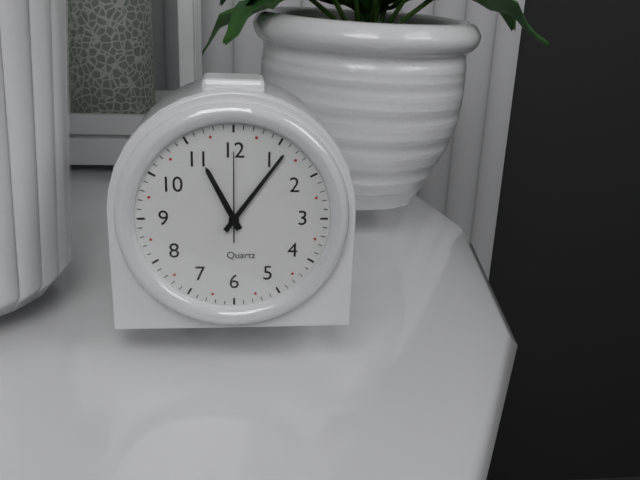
11 h 06 min 00 s
